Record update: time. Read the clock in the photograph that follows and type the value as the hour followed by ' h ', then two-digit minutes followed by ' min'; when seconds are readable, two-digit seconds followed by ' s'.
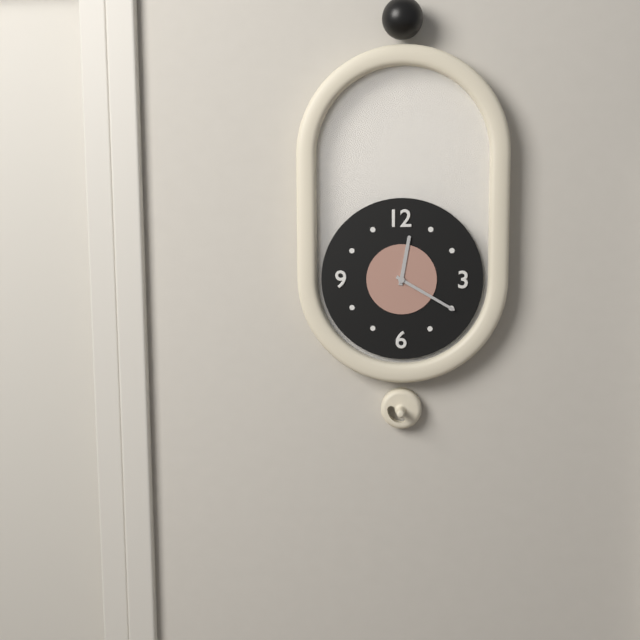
12 h 20 min
